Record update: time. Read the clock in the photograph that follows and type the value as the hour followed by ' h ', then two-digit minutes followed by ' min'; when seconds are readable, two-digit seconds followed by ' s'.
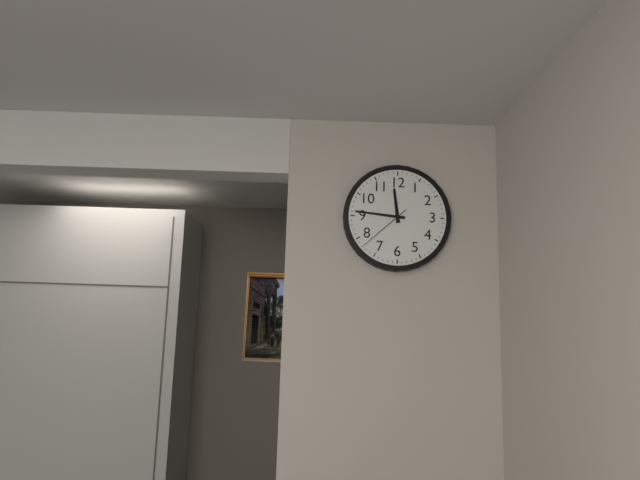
11 h 46 min 38 s
